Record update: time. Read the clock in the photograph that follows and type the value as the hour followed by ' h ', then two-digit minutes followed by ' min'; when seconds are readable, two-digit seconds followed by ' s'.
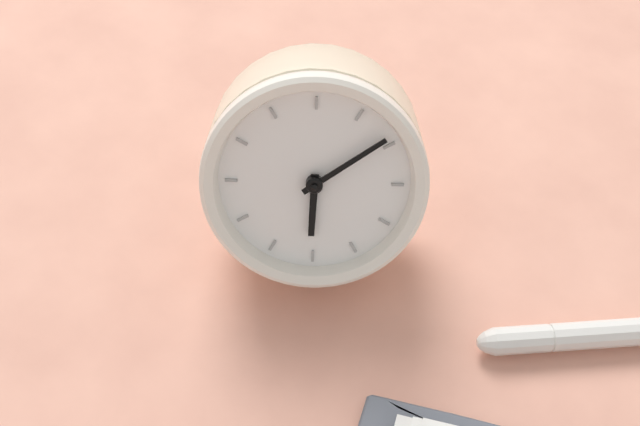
5 h 04 min
